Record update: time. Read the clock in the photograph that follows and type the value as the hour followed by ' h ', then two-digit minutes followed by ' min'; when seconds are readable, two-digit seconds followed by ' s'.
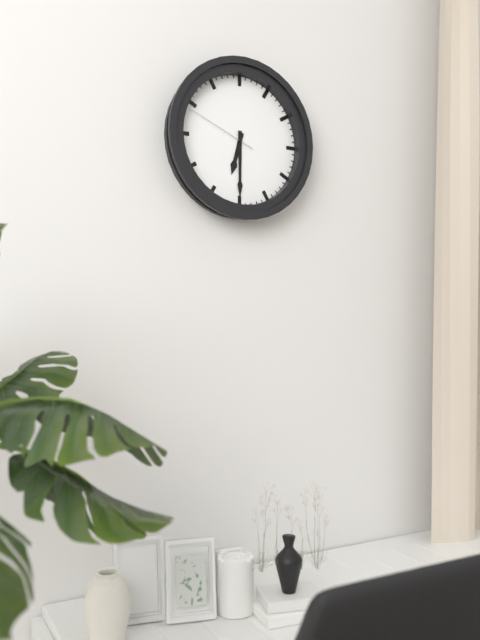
6 h 30 min 49 s
